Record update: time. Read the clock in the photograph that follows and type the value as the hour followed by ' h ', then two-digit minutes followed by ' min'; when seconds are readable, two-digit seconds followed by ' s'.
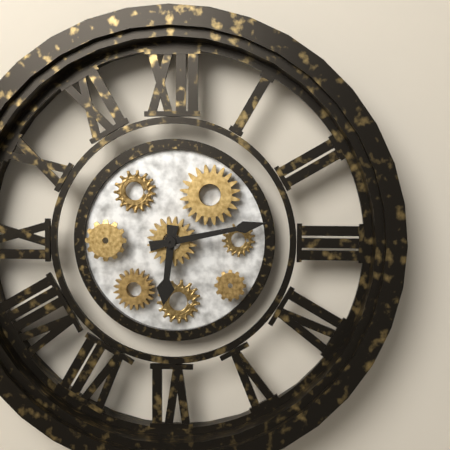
6 h 13 min
